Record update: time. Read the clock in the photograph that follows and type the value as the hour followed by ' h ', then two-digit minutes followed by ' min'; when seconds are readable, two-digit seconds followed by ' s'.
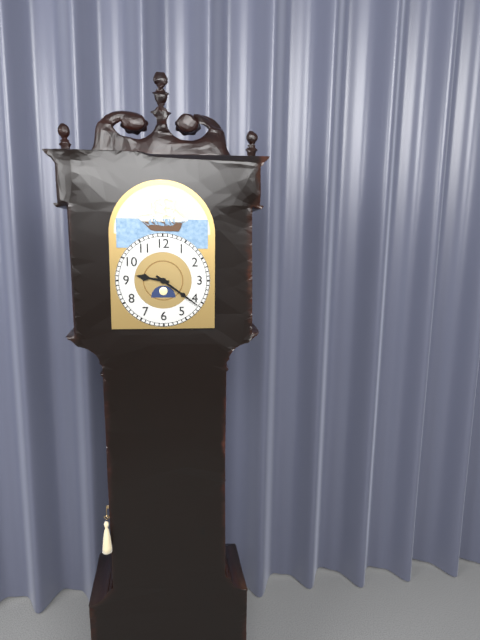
9 h 21 min
